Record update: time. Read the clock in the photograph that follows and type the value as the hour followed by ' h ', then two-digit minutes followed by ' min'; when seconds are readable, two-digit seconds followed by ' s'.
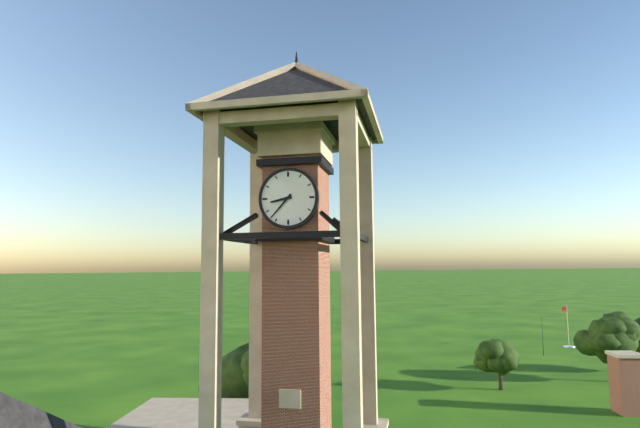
8 h 37 min
